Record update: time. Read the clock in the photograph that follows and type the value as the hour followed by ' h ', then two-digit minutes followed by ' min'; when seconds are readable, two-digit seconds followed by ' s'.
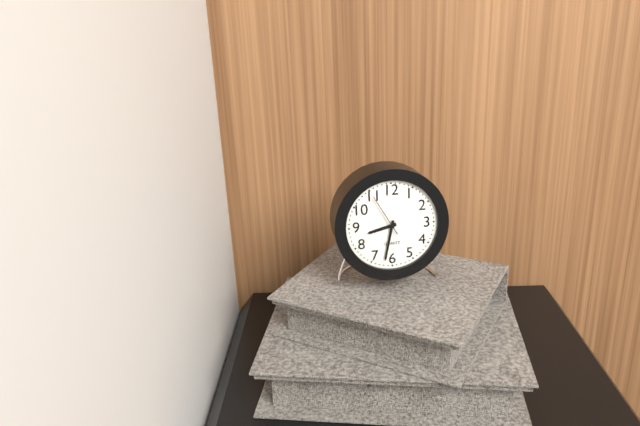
8 h 32 min
